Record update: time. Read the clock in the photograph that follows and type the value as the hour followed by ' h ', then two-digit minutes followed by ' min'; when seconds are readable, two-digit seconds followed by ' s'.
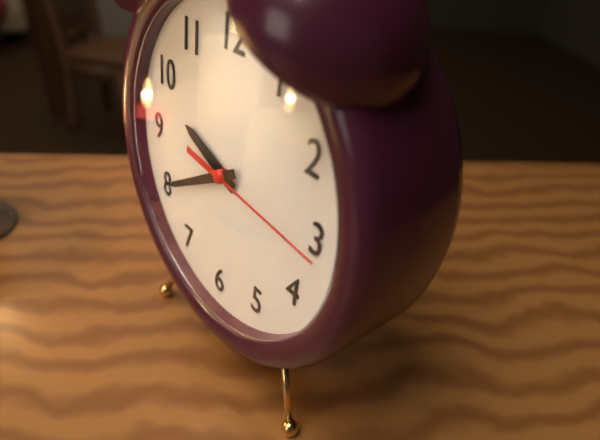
9 h 40 min 16 s
